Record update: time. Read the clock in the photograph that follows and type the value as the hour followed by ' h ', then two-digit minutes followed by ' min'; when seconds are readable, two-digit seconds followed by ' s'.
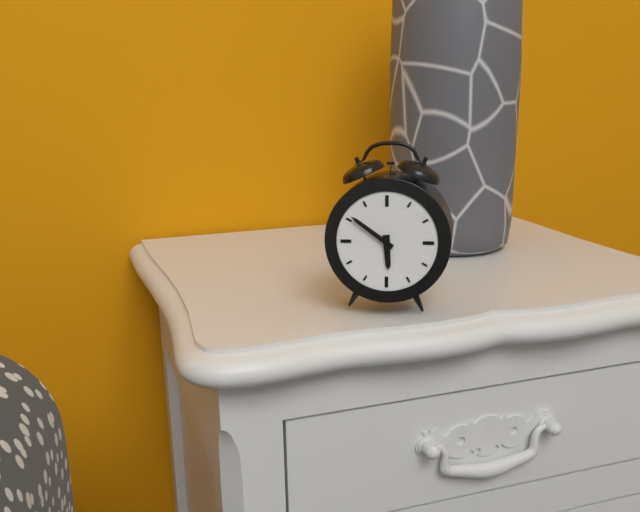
5 h 51 min
